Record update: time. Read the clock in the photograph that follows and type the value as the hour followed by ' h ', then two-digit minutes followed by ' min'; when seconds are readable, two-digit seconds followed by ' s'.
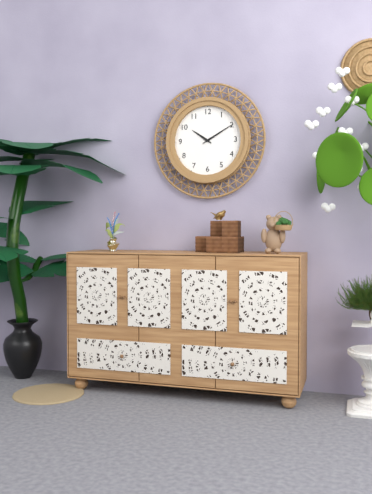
10 h 10 min
